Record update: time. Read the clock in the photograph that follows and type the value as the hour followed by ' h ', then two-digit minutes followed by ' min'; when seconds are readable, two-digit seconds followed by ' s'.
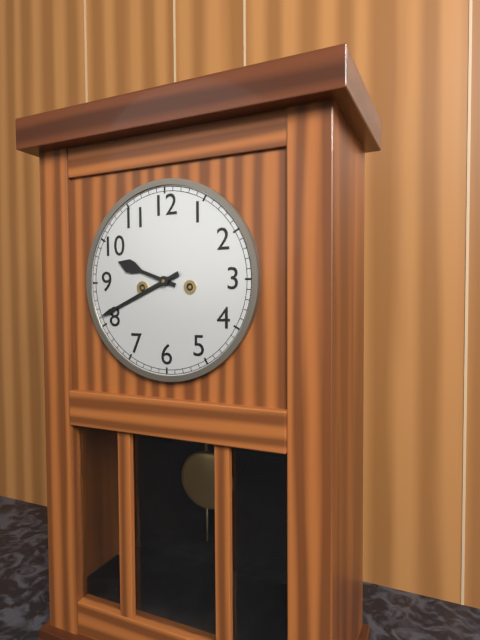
9 h 41 min
